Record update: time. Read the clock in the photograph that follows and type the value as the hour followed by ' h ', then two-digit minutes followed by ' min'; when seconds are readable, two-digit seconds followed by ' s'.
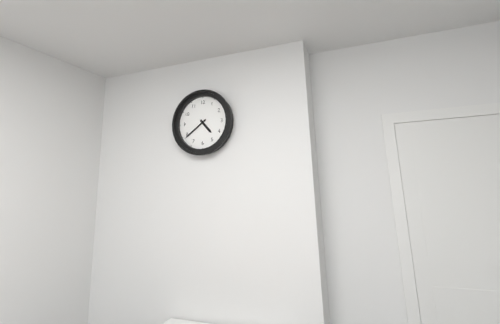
4 h 39 min
